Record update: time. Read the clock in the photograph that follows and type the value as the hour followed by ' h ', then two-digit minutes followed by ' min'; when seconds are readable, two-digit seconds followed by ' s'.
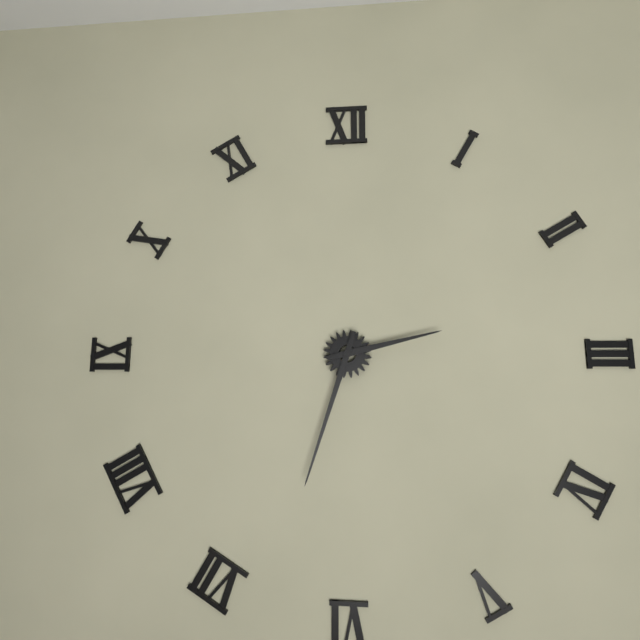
2 h 33 min
